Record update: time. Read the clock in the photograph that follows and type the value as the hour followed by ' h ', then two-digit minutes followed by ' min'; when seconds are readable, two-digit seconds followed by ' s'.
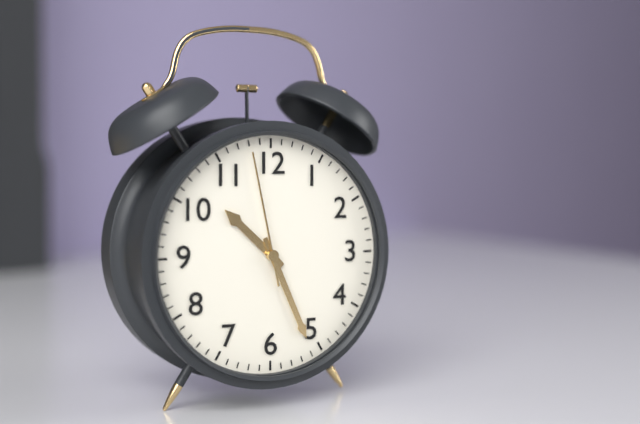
10 h 26 min 58 s
